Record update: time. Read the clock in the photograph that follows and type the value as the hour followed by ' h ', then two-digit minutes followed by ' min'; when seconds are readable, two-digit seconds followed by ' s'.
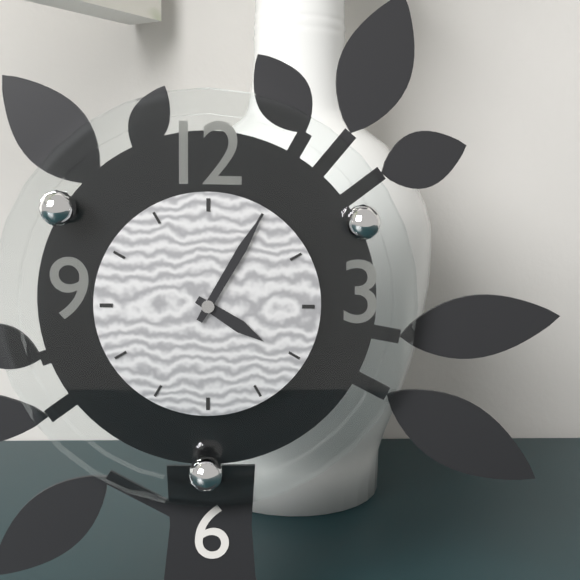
4 h 05 min
